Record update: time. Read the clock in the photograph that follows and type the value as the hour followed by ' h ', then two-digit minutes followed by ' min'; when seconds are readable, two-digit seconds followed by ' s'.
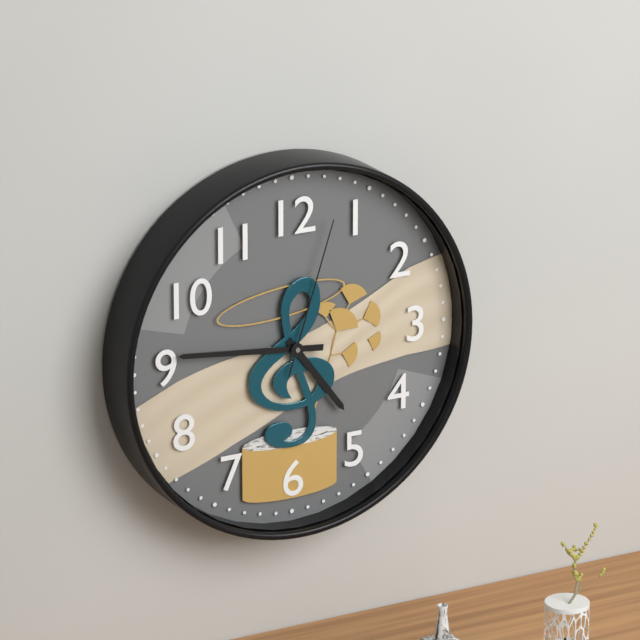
4 h 46 min 03 s
